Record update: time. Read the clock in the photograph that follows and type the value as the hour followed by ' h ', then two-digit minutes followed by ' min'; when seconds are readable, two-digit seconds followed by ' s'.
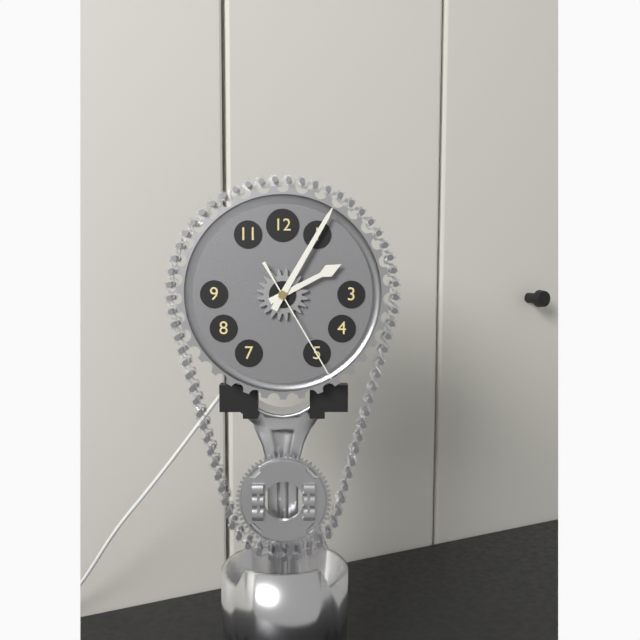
2 h 05 min 25 s
